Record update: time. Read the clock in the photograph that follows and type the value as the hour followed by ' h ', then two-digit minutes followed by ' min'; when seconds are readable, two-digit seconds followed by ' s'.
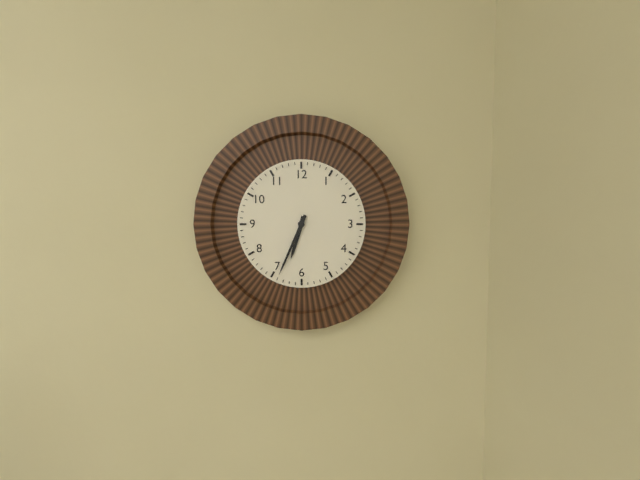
6 h 34 min
